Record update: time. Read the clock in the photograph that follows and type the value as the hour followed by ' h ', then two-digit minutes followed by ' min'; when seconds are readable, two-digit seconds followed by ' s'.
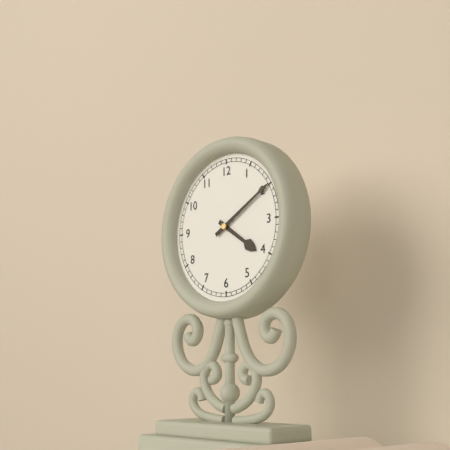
4 h 10 min
